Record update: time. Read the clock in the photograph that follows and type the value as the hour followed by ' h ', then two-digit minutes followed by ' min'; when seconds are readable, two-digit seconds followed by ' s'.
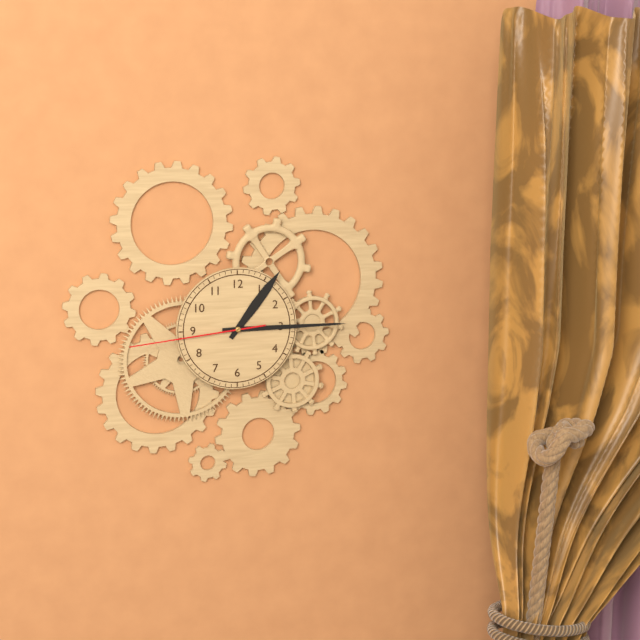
1 h 15 min 44 s
